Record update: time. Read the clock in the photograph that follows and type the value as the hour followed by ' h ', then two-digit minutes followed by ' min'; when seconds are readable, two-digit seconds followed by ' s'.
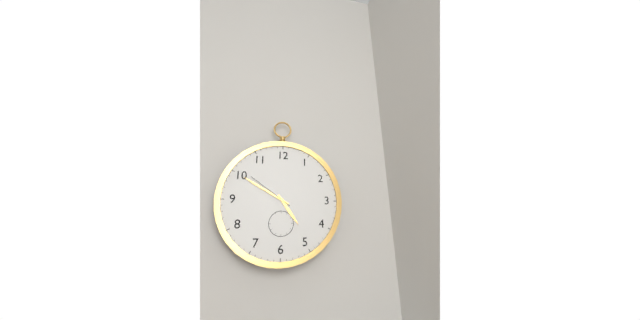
4 h 50 min
